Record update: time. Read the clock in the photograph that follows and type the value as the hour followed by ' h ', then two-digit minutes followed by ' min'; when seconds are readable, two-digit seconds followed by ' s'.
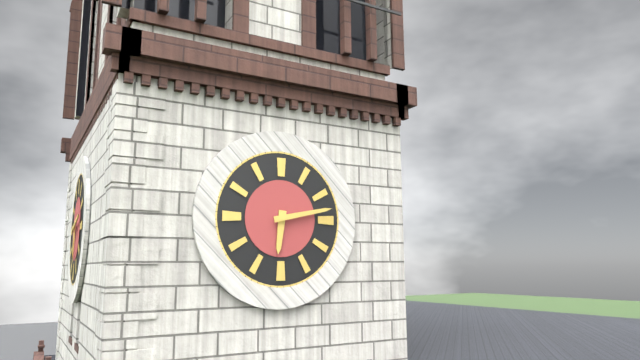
6 h 13 min
